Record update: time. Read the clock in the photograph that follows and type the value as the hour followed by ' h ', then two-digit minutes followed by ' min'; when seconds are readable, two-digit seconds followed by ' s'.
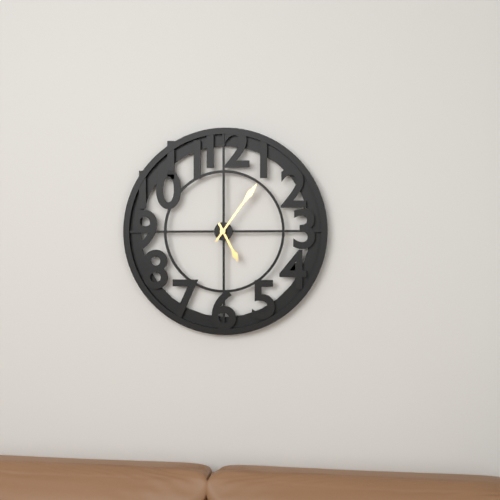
5 h 06 min
